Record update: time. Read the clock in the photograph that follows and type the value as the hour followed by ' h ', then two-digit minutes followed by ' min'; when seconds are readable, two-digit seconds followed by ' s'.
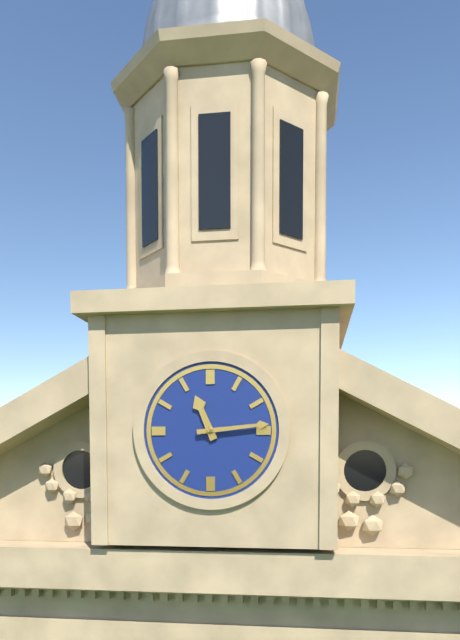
11 h 14 min
